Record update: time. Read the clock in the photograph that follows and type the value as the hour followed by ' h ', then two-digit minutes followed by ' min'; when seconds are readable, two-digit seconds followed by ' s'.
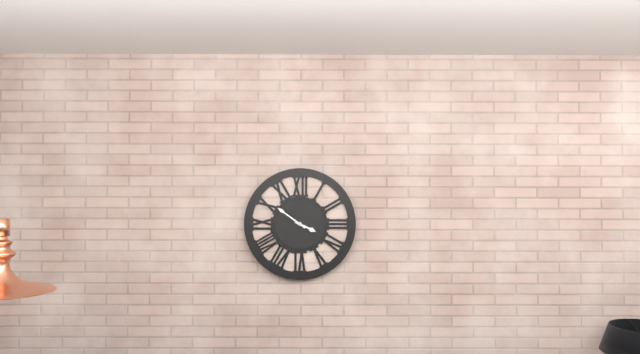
3 h 51 min
